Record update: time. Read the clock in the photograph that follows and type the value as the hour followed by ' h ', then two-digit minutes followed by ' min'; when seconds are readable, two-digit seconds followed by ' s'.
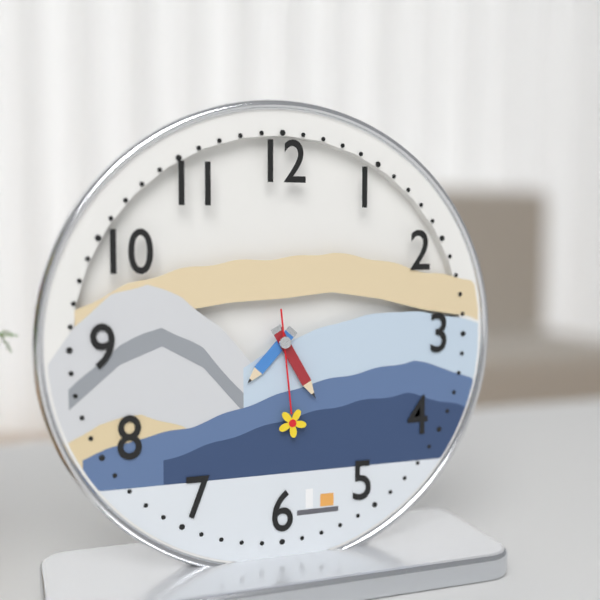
7 h 25 min 29 s
